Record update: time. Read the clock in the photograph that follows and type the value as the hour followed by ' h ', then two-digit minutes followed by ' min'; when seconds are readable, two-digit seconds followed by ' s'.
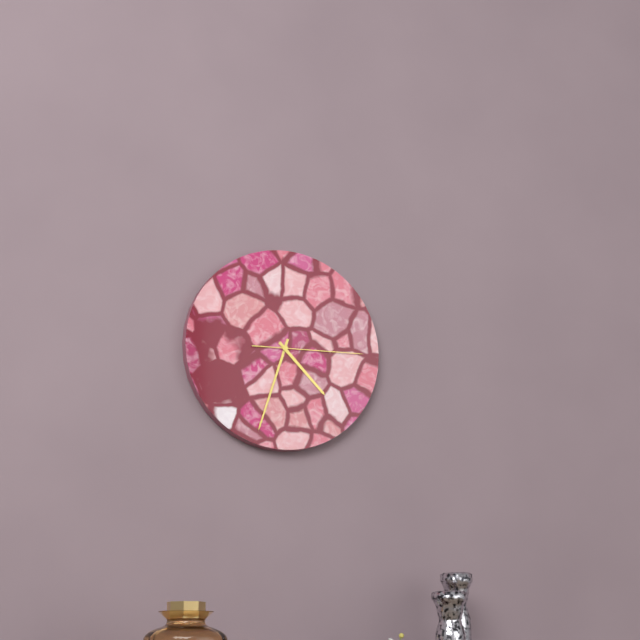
4 h 33 min 15 s
